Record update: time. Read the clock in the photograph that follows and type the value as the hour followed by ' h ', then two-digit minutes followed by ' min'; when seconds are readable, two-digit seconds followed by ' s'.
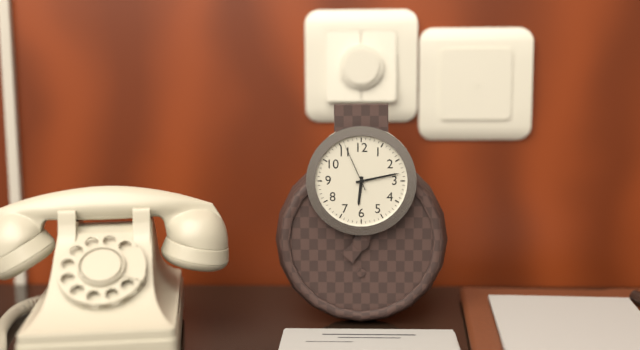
6 h 13 min 56 s
